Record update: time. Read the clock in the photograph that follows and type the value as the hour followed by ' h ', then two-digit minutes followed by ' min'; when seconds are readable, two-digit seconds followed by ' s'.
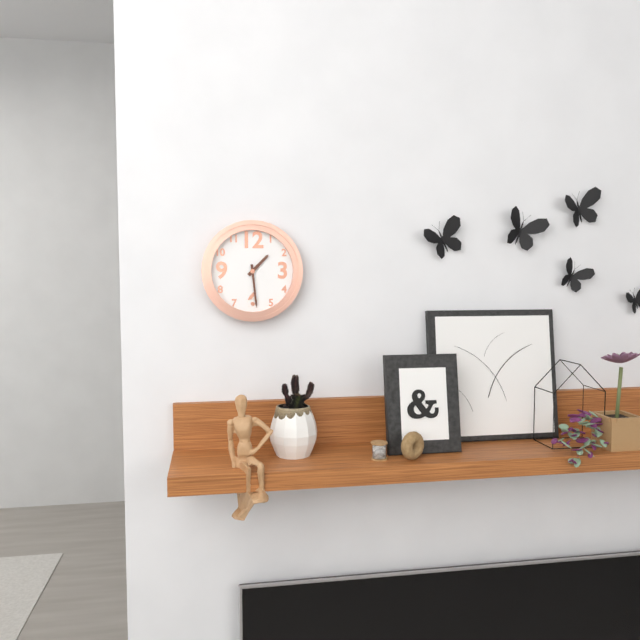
1 h 29 min
